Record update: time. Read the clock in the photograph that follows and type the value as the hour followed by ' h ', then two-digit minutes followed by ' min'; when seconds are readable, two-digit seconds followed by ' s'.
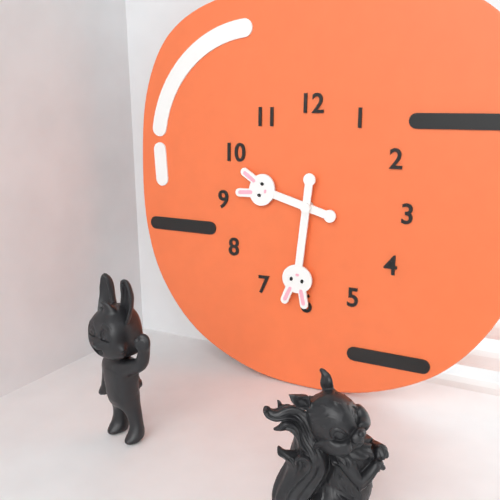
9 h 31 min
